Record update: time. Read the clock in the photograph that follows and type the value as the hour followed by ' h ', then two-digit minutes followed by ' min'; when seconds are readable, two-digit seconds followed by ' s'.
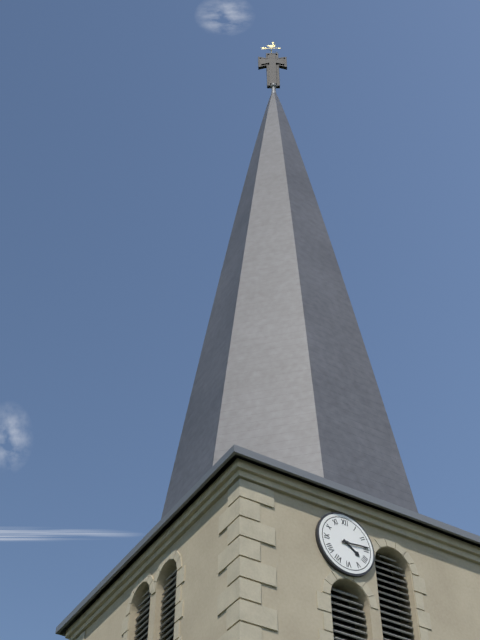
4 h 14 min
